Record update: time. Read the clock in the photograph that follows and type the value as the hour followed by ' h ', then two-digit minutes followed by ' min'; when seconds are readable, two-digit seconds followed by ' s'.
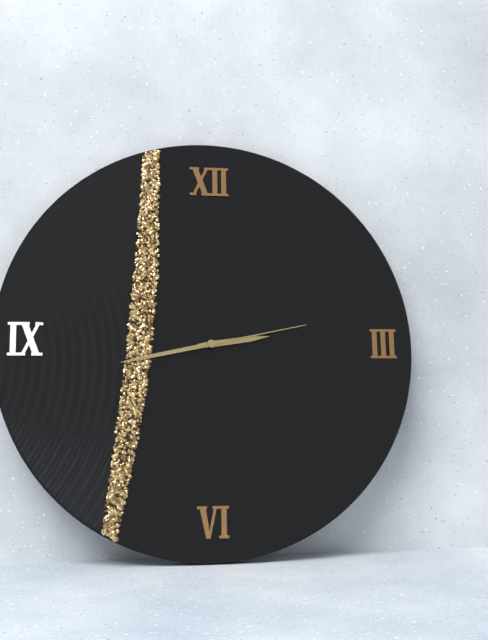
2 h 43 min 13 s
